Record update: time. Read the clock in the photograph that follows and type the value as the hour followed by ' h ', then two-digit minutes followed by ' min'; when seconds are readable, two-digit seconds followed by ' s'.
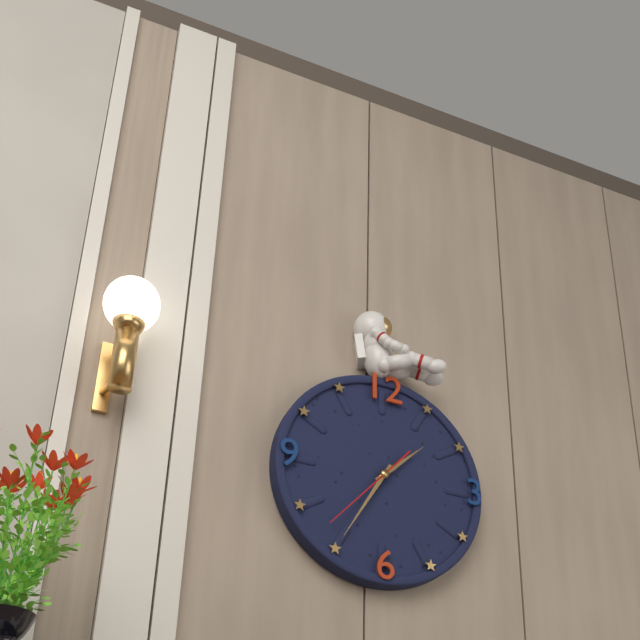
1 h 35 min 37 s
